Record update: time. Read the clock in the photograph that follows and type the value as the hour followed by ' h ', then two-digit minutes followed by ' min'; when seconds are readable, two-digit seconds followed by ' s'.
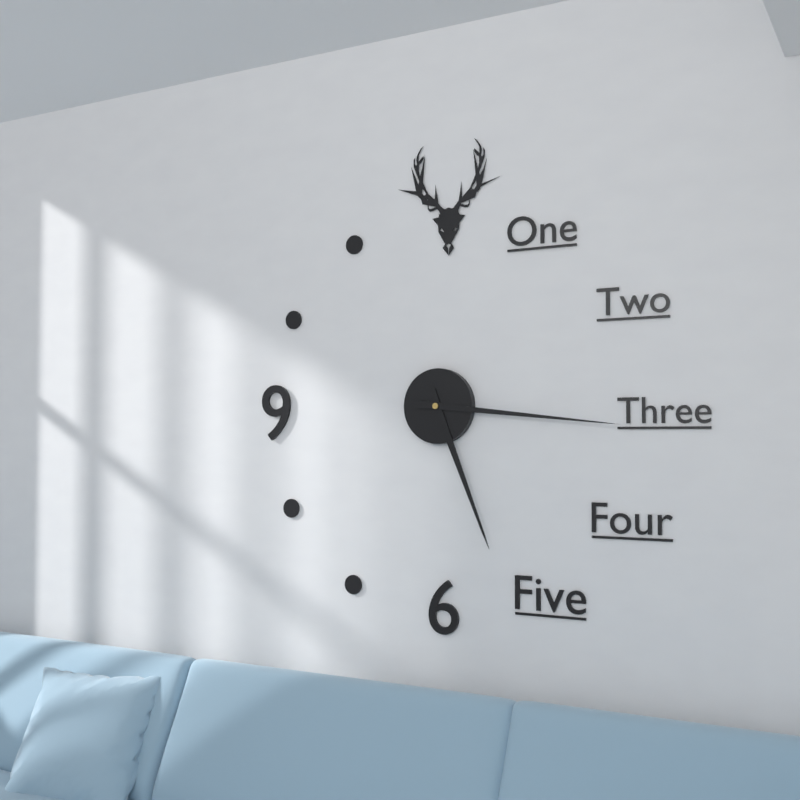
5 h 16 min
